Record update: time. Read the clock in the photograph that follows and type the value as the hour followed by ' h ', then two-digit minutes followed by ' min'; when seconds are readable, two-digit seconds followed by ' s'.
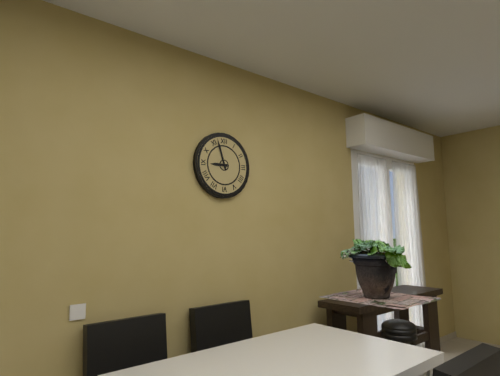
8 h 57 min
